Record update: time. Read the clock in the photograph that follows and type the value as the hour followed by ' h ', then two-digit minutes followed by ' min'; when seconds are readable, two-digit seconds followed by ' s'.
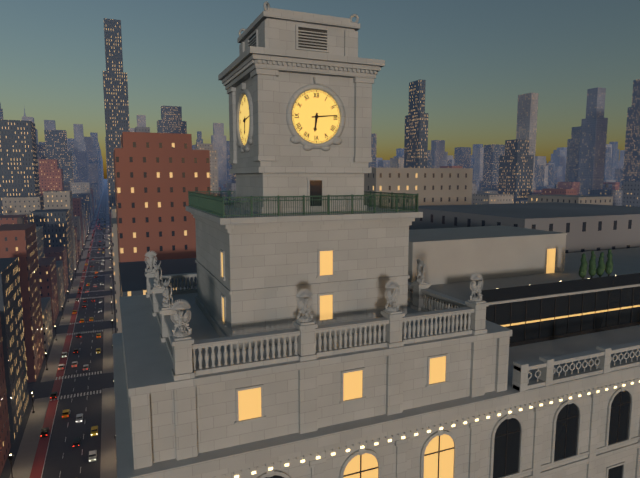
6 h 14 min
